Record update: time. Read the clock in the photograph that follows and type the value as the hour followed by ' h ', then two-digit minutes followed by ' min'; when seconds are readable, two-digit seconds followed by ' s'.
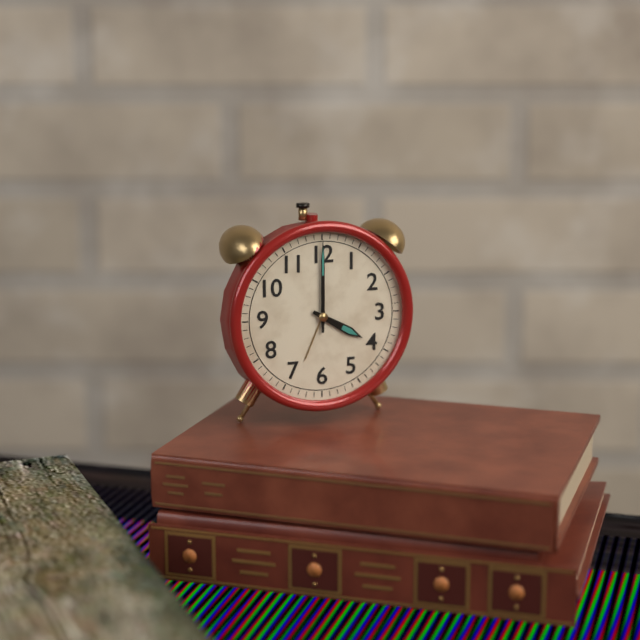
4 h 00 min
